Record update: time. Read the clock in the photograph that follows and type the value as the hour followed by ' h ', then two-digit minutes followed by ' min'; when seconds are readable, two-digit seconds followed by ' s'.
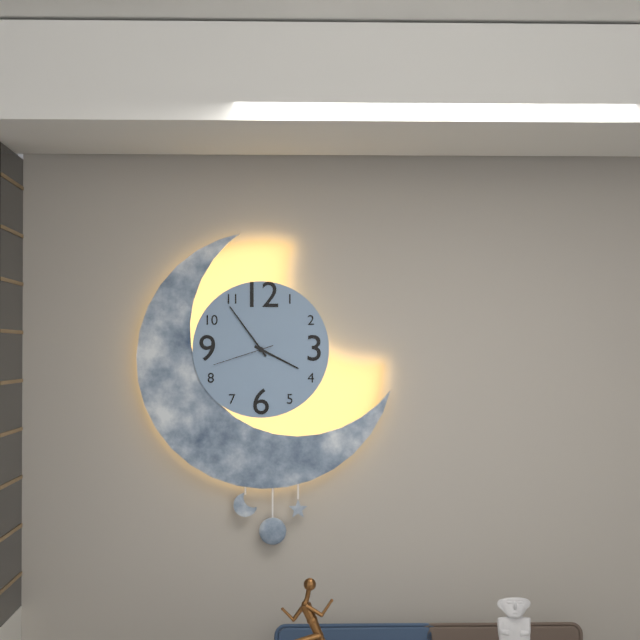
3 h 54 min 42 s
